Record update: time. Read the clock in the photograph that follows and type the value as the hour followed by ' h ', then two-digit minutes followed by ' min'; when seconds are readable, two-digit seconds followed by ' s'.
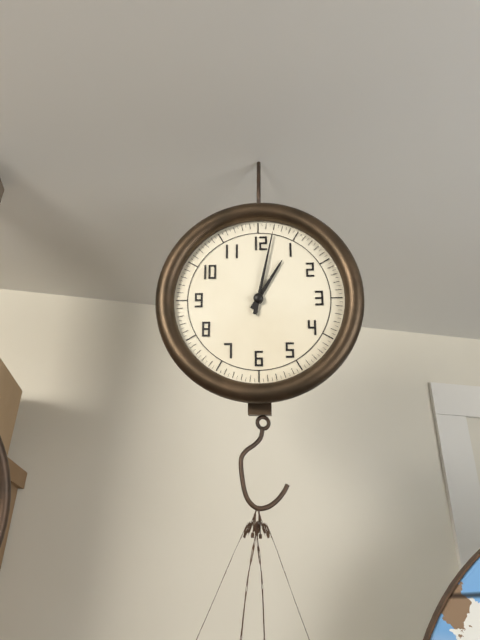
1 h 02 min
